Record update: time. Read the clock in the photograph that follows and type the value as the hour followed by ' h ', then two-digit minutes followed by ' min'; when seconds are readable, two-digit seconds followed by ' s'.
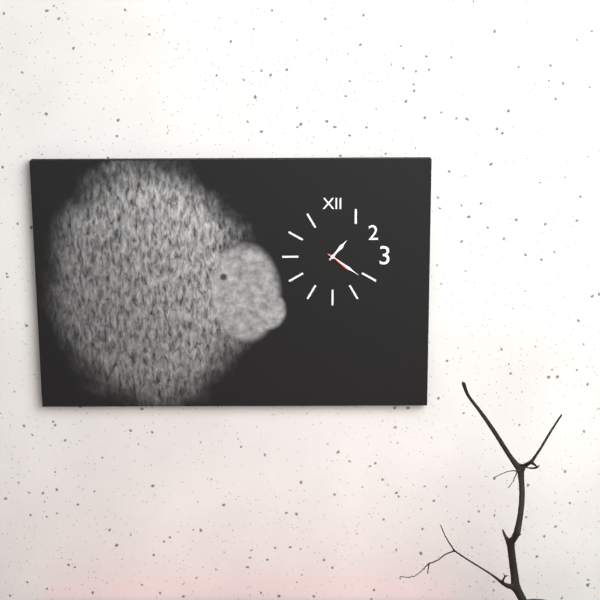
1 h 21 min
